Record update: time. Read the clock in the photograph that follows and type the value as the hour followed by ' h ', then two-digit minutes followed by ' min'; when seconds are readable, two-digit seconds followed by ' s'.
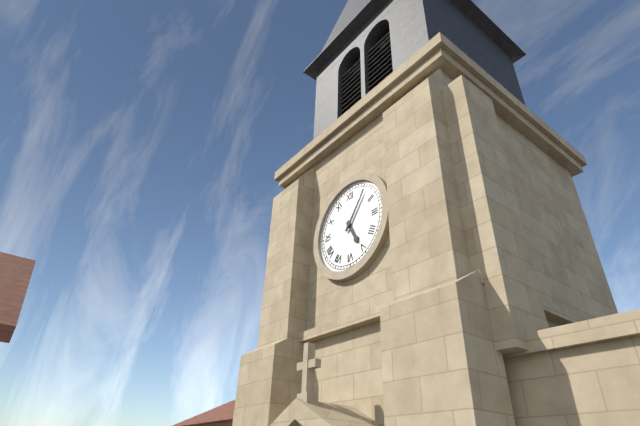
5 h 06 min
